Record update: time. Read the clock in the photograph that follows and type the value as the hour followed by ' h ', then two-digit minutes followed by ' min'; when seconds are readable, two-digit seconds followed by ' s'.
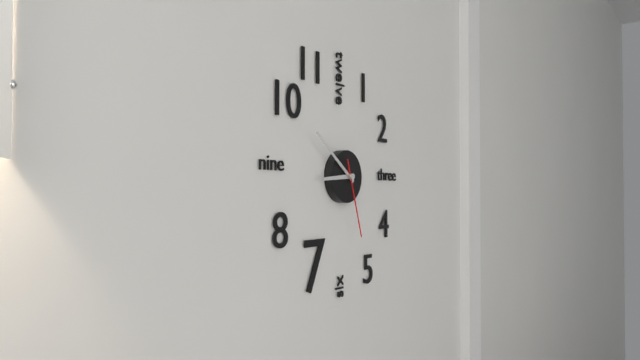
8 h 51 min 27 s
